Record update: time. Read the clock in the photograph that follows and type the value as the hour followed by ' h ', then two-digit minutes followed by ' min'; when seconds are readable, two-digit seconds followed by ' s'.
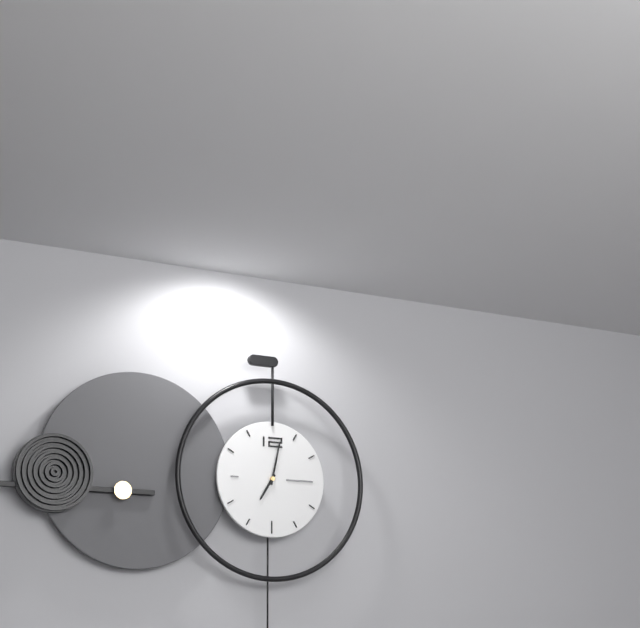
7 h 02 min
